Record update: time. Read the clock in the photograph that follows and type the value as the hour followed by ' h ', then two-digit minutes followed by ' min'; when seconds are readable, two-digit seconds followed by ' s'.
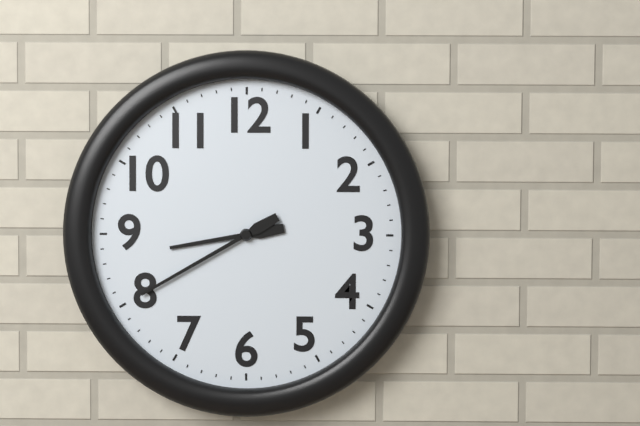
8 h 40 min
